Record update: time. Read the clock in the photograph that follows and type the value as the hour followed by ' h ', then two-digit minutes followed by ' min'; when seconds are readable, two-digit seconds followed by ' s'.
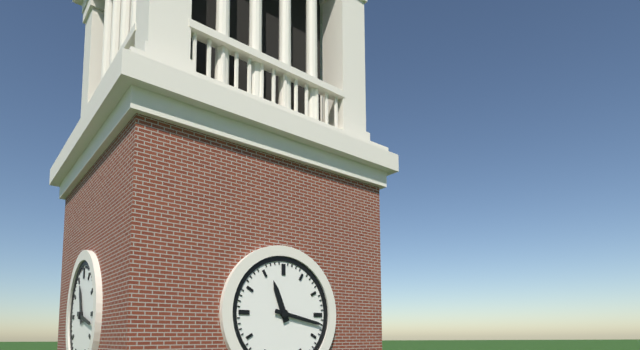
11 h 17 min
